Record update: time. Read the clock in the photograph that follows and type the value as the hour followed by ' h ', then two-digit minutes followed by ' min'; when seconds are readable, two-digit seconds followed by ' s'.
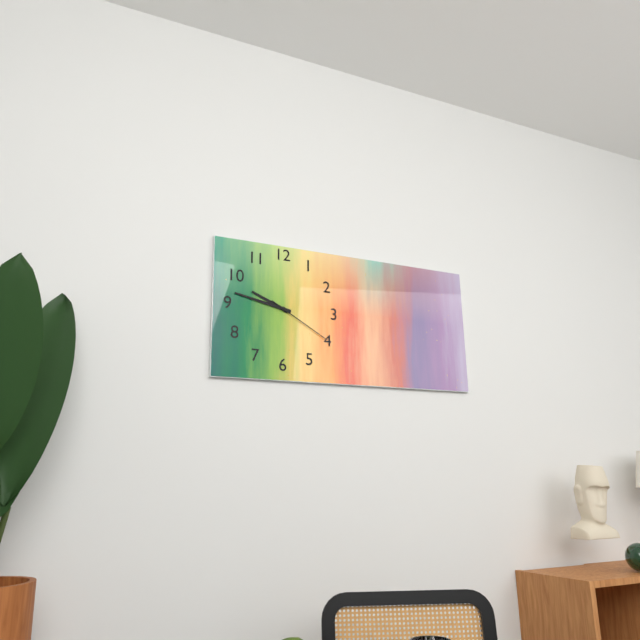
9 h 47 min 20 s
